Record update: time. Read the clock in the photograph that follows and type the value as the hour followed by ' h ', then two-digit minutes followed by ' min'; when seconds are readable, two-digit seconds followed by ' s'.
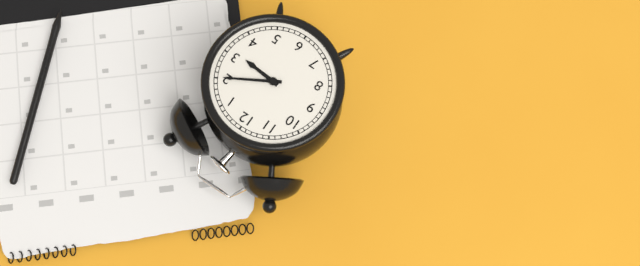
3 h 10 min
